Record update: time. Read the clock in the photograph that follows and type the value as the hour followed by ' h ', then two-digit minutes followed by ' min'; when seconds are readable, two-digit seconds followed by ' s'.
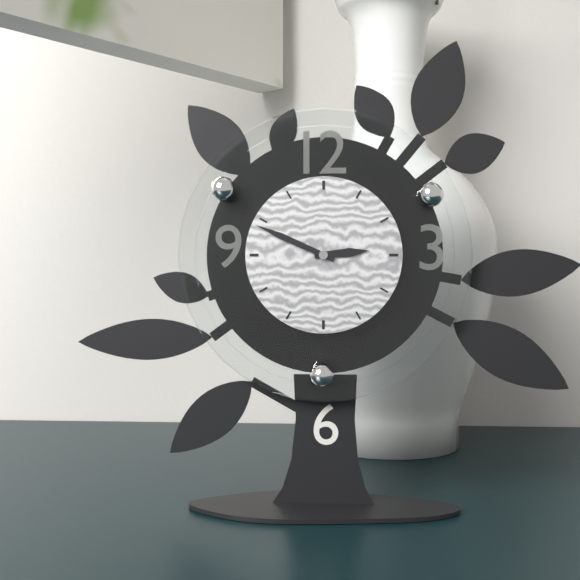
2 h 49 min
